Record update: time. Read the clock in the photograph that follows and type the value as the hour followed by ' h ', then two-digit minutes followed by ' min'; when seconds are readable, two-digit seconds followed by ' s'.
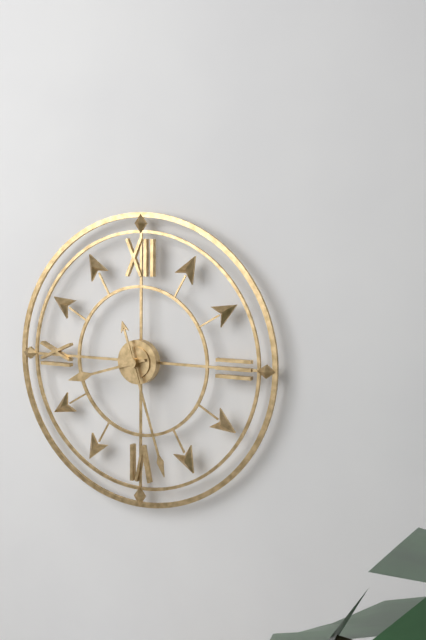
8 h 27 min
